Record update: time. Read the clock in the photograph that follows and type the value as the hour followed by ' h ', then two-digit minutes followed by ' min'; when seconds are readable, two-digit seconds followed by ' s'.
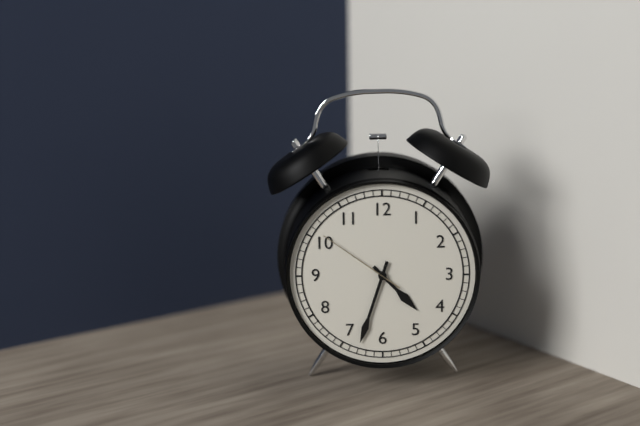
4 h 33 min 51 s
